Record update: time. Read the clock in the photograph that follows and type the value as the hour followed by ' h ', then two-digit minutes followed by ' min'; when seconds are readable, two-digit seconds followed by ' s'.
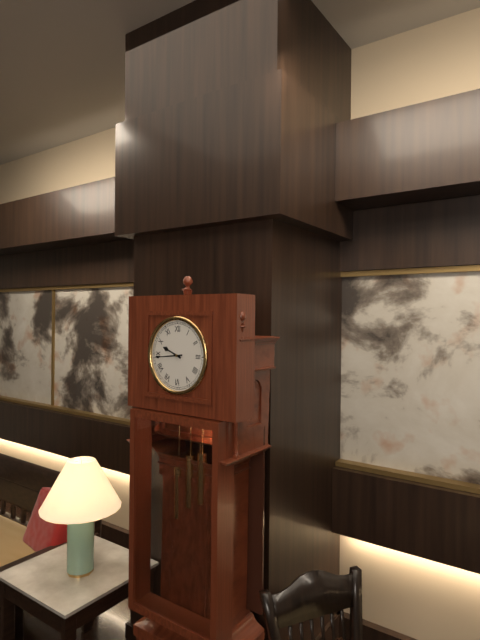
9 h 44 min
